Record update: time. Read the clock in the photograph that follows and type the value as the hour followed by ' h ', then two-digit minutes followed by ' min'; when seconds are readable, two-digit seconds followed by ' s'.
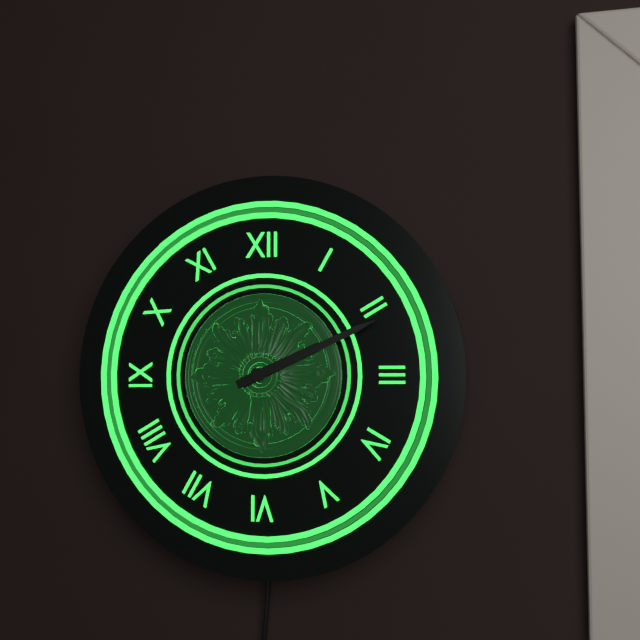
2 h 11 min
